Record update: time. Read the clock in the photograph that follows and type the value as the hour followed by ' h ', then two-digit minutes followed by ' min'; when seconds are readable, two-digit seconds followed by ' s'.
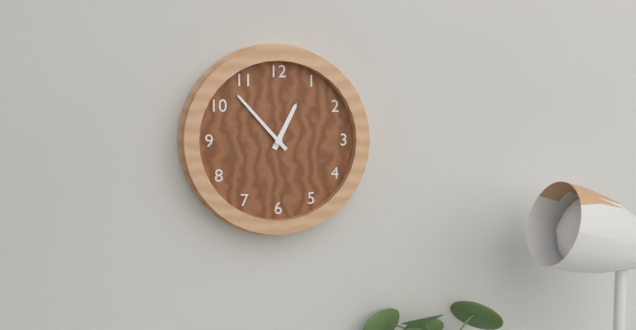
12 h 53 min
